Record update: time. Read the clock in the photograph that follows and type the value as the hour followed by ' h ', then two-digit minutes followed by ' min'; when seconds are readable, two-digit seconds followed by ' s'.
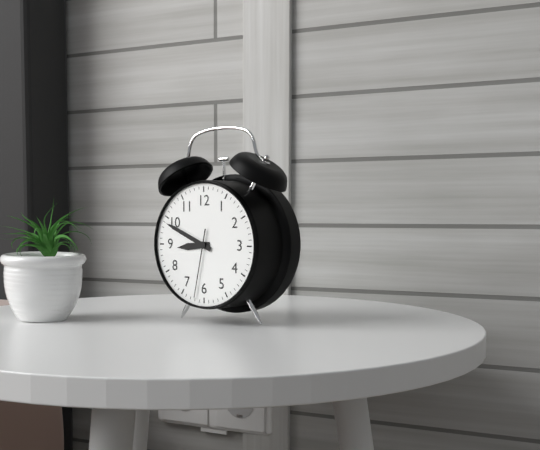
8 h 49 min 32 s
